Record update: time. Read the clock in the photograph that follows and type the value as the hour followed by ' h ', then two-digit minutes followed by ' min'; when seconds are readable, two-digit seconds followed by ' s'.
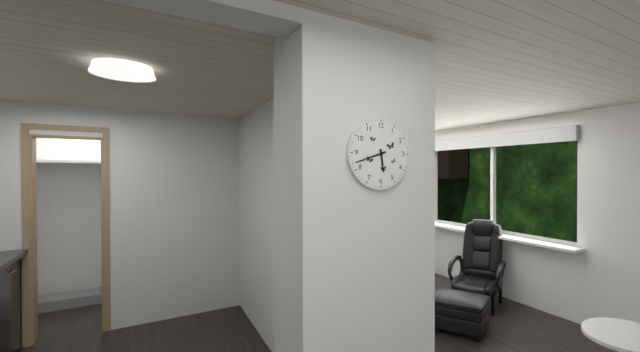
5 h 42 min
